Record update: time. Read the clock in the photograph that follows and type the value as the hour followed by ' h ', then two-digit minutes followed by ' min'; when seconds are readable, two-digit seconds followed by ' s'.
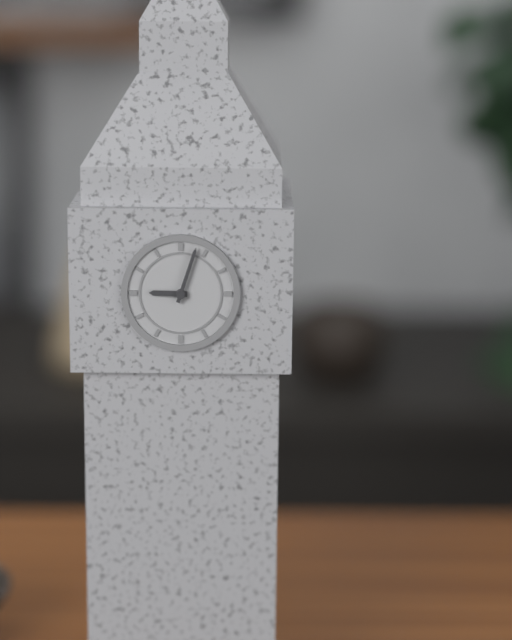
9 h 03 min
